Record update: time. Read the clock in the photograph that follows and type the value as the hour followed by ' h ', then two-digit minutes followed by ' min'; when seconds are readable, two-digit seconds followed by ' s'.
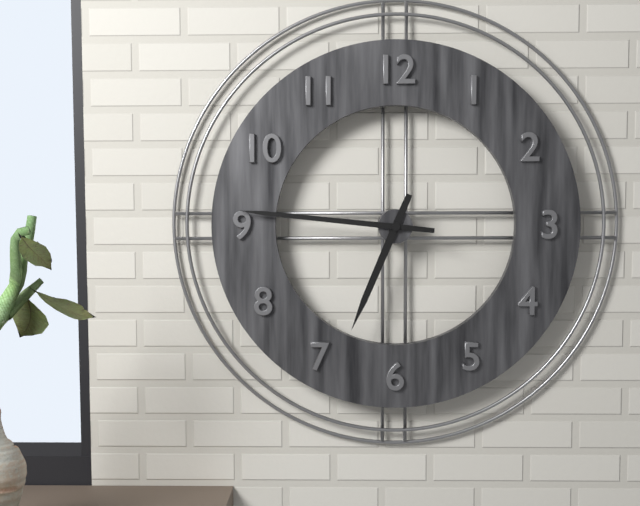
6 h 46 min
